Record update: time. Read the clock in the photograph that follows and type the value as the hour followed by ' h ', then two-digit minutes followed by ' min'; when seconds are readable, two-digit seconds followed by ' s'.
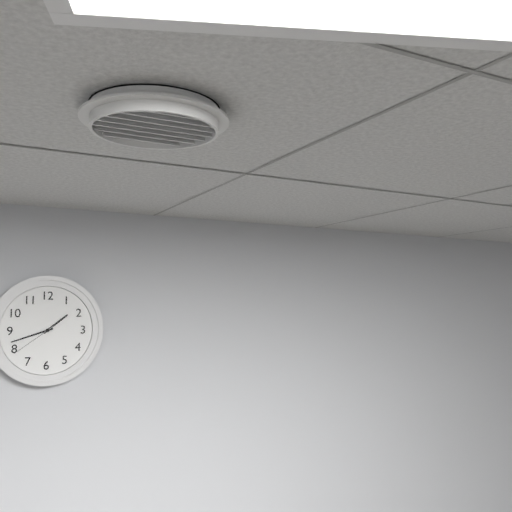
1 h 42 min 39 s
